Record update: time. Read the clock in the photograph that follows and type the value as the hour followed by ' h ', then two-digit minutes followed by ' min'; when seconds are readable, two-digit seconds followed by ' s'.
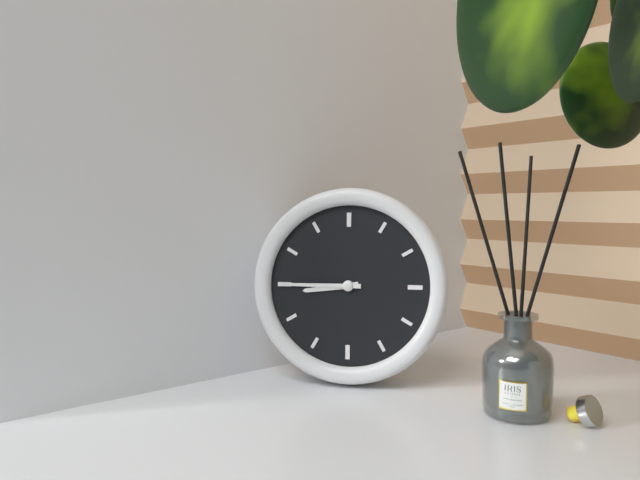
8 h 45 min
